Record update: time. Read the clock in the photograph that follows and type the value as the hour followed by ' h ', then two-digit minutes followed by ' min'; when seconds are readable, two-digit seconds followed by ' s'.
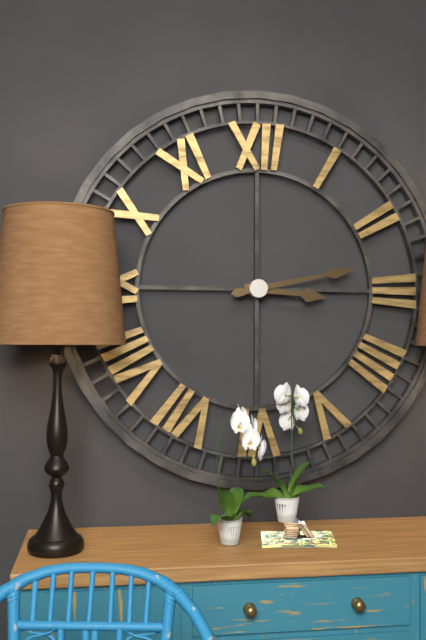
3 h 13 min
